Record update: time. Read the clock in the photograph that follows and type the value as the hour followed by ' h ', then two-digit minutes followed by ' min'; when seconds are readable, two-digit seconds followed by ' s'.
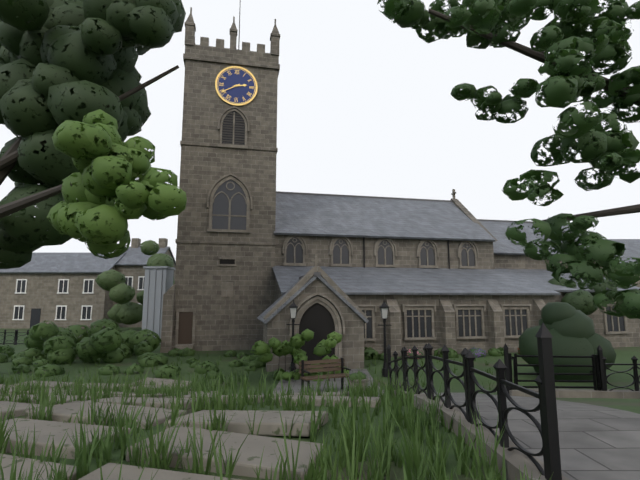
2 h 40 min
